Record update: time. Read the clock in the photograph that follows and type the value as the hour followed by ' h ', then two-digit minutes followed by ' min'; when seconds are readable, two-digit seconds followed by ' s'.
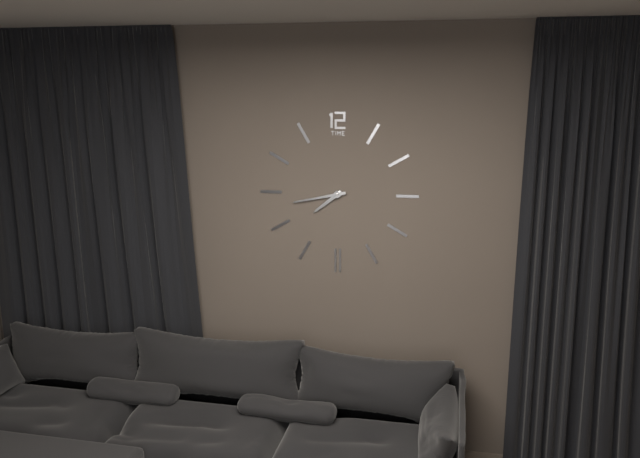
7 h 43 min
